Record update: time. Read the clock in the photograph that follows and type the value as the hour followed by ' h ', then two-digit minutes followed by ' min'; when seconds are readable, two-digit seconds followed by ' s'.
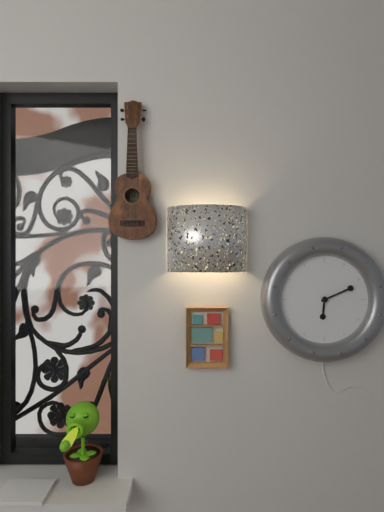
6 h 11 min
